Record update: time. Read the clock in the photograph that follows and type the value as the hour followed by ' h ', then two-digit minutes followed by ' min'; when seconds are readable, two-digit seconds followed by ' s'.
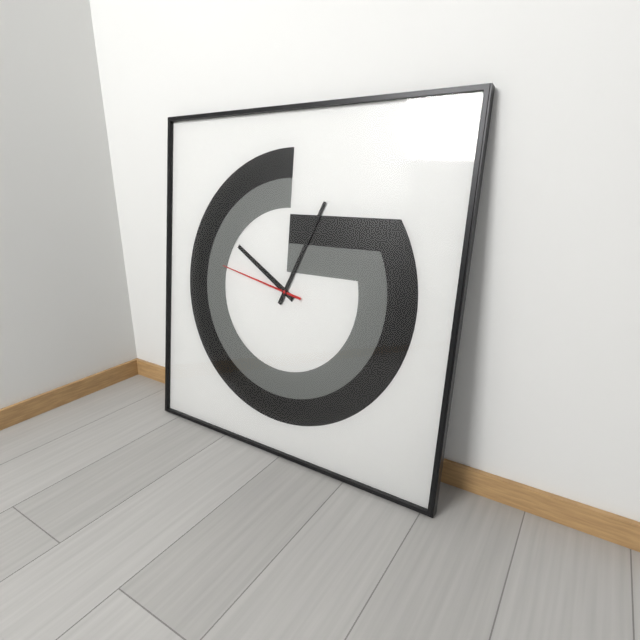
10 h 04 min 47 s
